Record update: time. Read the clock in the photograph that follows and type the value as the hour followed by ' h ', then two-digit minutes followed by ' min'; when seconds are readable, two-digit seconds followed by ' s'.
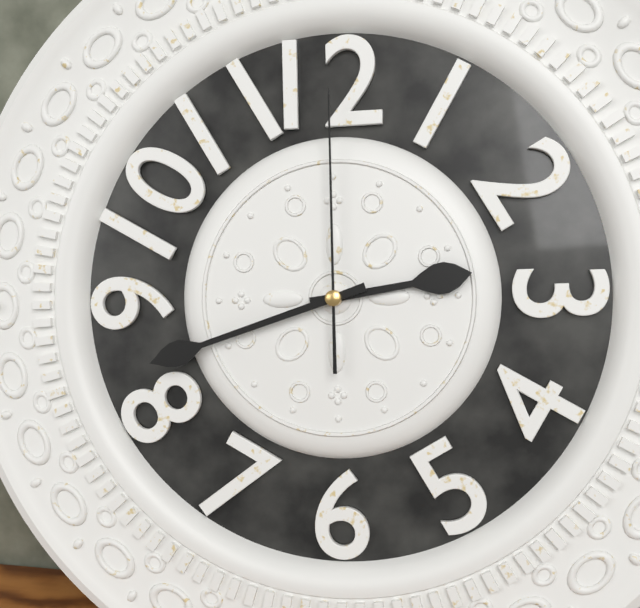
2 h 42 min 00 s
